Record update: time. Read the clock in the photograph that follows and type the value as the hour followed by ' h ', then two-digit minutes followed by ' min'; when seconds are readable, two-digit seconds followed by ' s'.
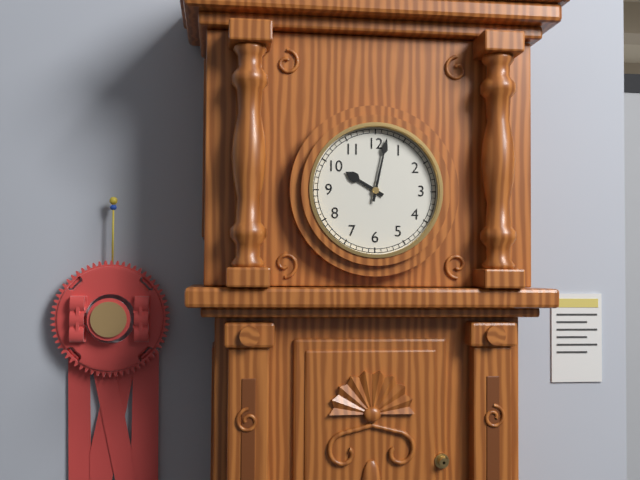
10 h 02 min
